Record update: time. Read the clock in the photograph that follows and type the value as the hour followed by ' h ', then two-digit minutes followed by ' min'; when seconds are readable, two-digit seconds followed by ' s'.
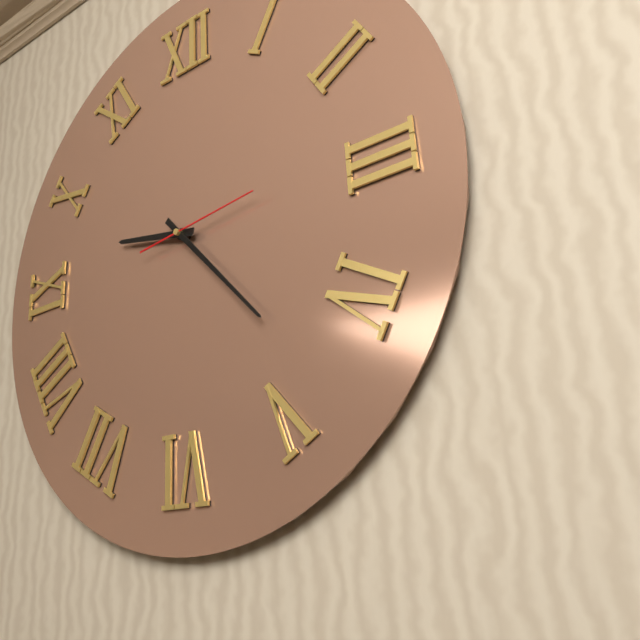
9 h 23 min 14 s
